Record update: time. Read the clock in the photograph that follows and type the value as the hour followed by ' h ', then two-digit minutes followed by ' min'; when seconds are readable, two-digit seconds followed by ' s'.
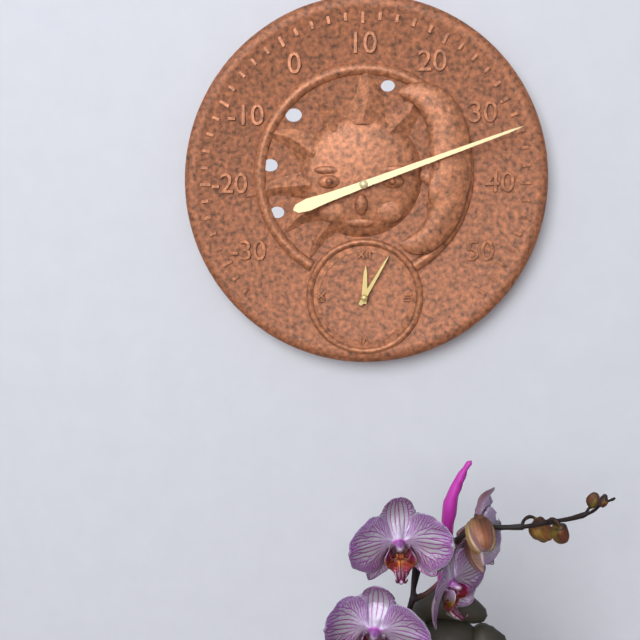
12 h 05 min
